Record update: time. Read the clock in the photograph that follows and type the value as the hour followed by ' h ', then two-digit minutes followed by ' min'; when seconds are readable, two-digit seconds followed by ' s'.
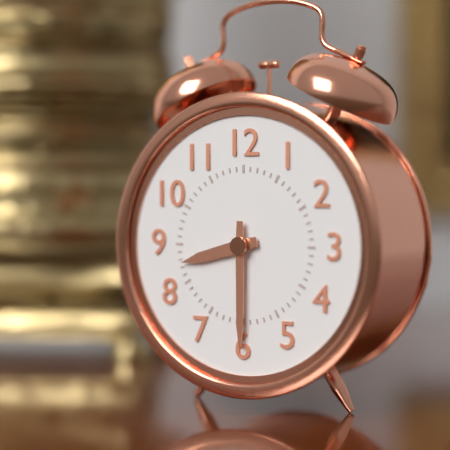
8 h 30 min
